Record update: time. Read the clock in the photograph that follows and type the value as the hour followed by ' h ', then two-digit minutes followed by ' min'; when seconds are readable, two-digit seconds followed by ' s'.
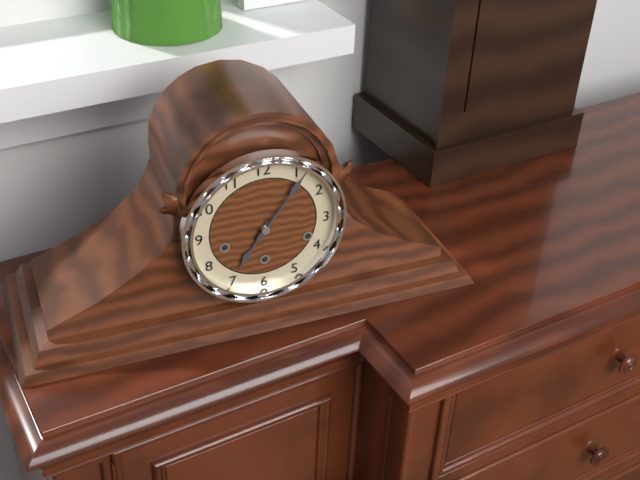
7 h 06 min
